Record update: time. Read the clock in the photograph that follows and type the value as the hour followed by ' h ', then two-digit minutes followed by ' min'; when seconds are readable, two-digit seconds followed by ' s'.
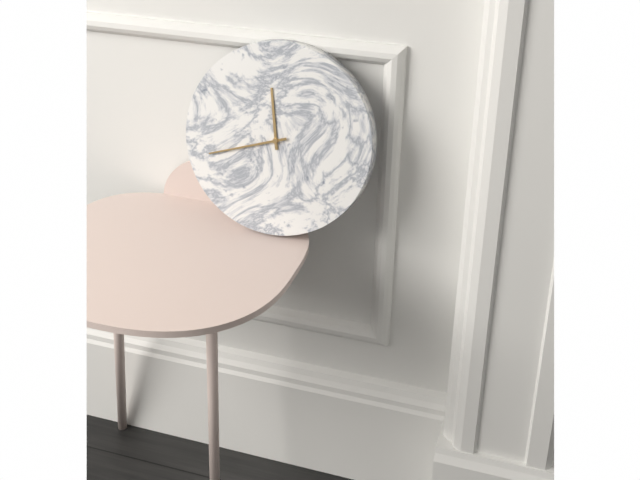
11 h 42 min
